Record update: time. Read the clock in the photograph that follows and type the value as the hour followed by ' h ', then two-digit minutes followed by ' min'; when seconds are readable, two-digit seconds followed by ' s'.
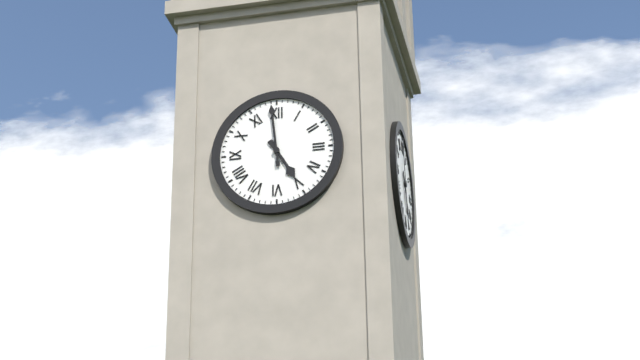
4 h 59 min
